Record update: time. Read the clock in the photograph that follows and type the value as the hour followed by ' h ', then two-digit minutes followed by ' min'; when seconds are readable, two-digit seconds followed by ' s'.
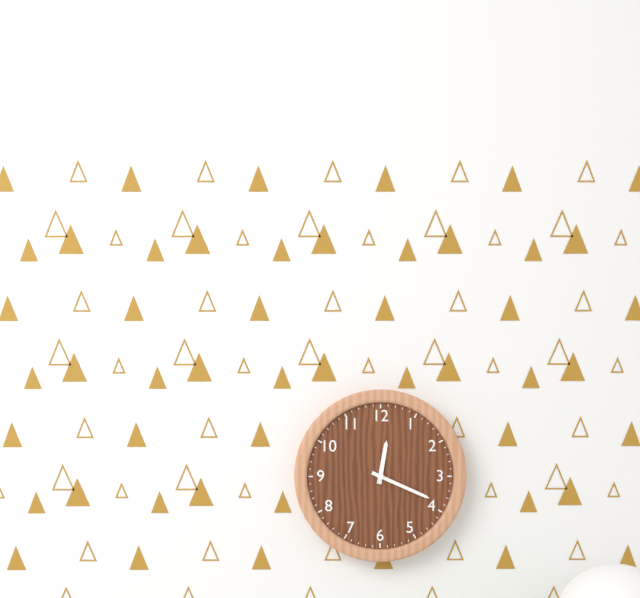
12 h 19 min
